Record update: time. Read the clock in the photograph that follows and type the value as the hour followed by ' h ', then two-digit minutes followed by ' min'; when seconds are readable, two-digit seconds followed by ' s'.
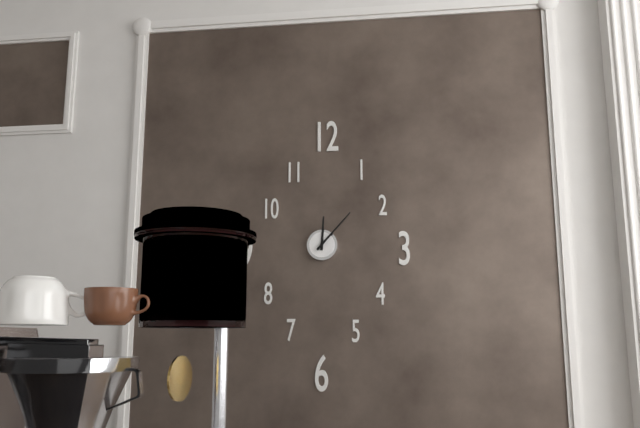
12 h 07 min
